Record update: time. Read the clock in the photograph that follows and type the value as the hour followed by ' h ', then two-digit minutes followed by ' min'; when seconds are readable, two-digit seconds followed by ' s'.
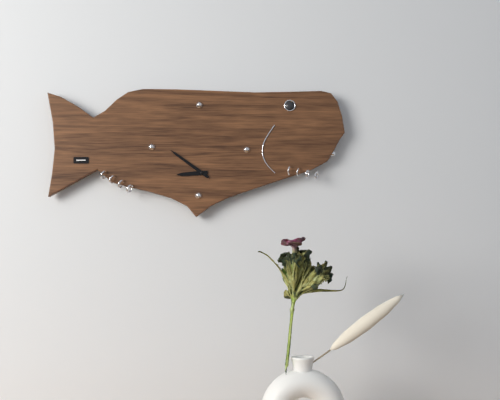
8 h 51 min
